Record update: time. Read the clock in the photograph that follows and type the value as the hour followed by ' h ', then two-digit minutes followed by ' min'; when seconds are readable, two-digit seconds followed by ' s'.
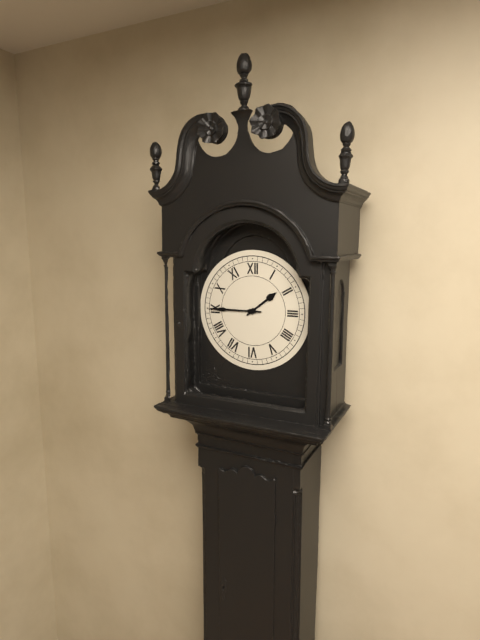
1 h 45 min
